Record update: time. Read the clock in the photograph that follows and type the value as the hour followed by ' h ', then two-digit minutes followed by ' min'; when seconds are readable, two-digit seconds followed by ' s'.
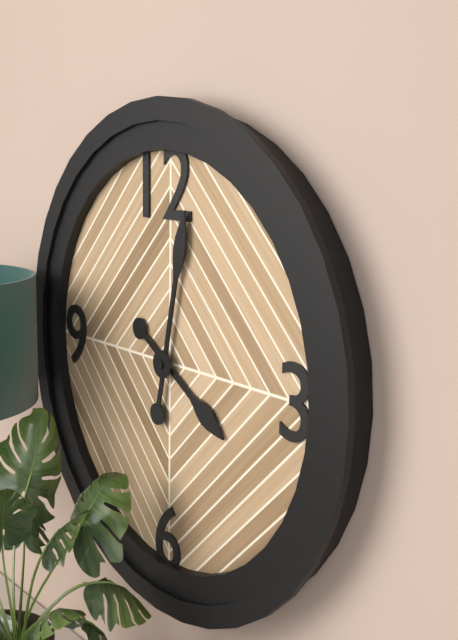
4 h 02 min
